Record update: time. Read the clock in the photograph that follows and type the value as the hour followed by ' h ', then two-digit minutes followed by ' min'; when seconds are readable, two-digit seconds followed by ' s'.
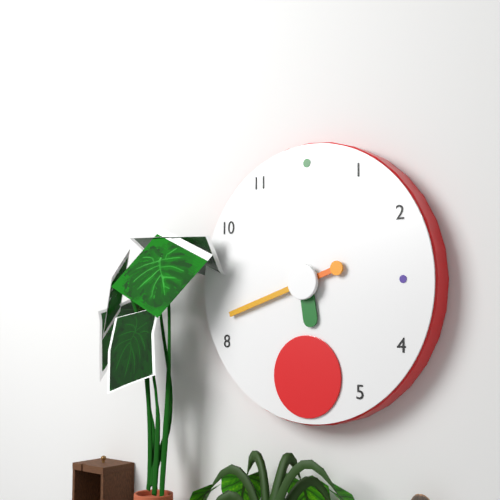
5 h 42 min
